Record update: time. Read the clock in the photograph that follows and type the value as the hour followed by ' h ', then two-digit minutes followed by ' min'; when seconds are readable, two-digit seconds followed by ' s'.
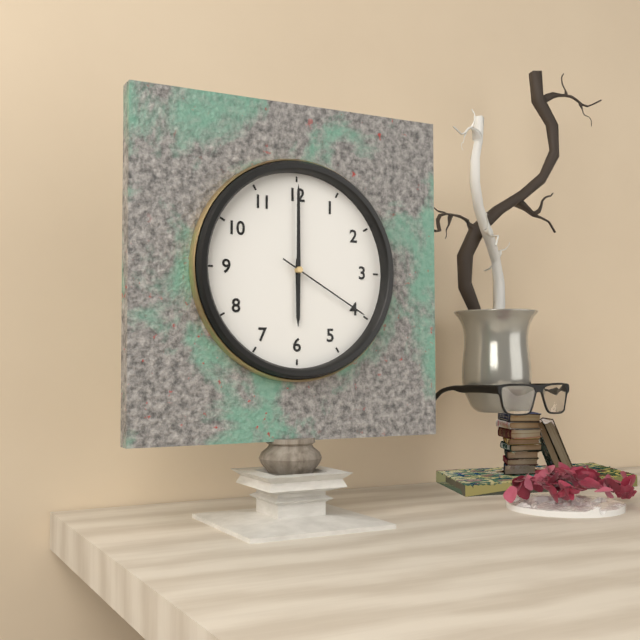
6 h 00 min 20 s
